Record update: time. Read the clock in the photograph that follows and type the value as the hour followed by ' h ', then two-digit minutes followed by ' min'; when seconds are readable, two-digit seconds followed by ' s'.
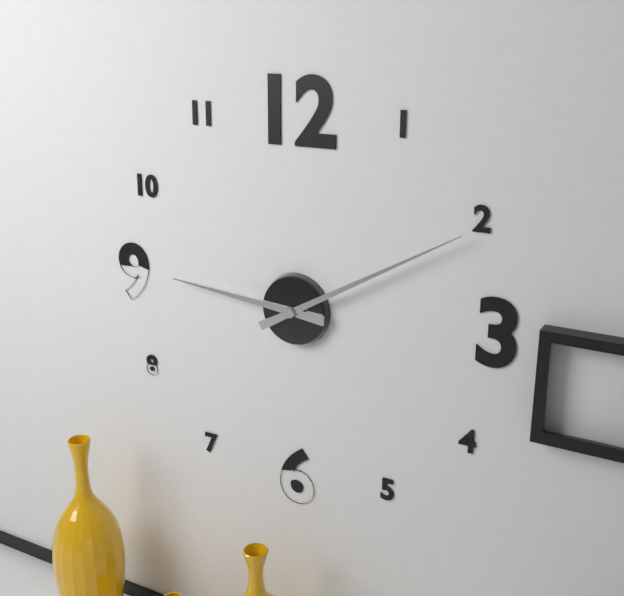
9 h 10 min
